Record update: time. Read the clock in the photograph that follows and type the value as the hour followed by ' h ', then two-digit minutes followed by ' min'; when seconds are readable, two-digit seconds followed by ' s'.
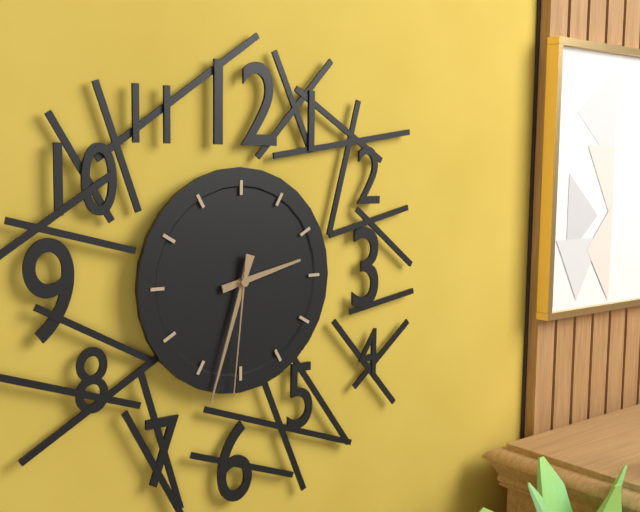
2 h 33 min 31 s
